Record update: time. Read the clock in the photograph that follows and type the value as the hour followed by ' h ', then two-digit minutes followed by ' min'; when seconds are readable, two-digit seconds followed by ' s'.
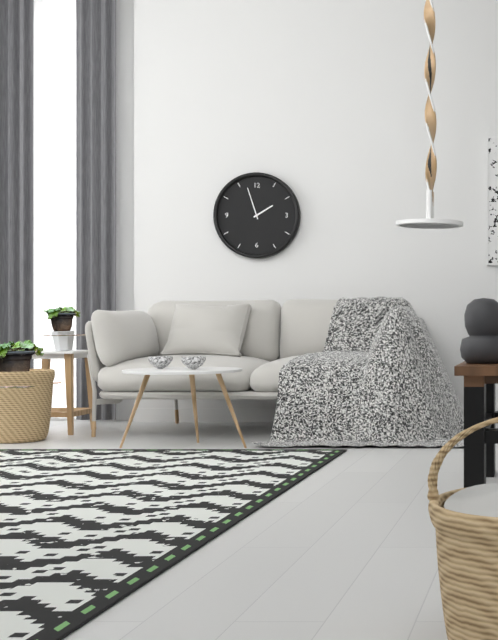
1 h 57 min
